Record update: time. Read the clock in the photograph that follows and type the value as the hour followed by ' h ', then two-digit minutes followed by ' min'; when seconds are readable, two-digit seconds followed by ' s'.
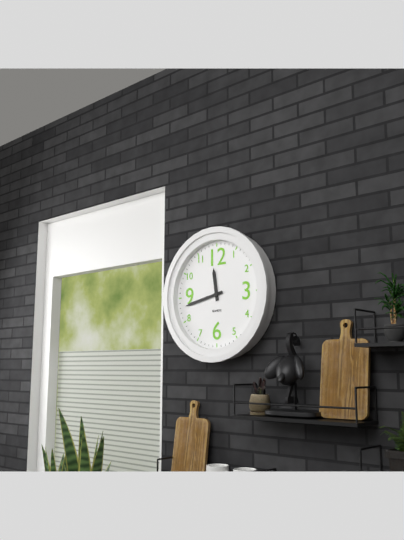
11 h 43 min
